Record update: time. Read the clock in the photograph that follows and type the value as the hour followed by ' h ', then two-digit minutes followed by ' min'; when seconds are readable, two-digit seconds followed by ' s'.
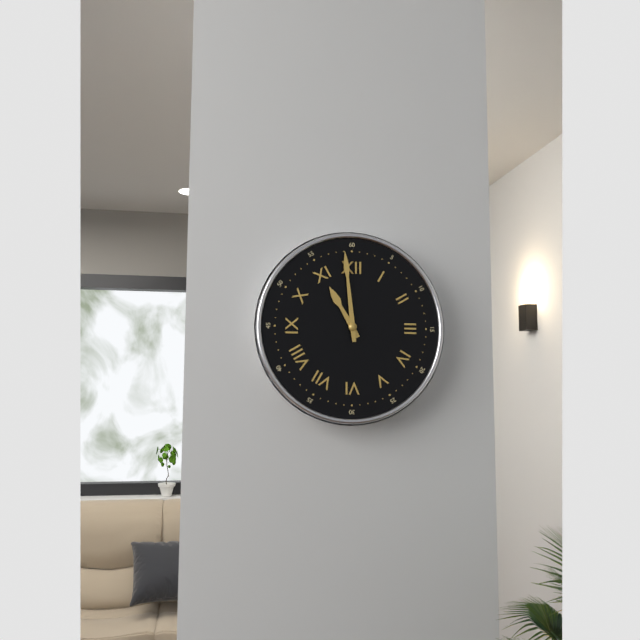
10 h 59 min
